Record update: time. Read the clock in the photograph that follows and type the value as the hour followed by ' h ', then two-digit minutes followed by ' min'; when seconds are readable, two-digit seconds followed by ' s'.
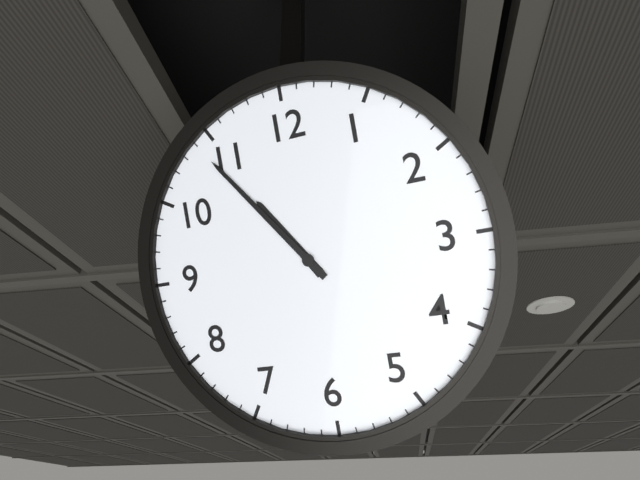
10 h 54 min
